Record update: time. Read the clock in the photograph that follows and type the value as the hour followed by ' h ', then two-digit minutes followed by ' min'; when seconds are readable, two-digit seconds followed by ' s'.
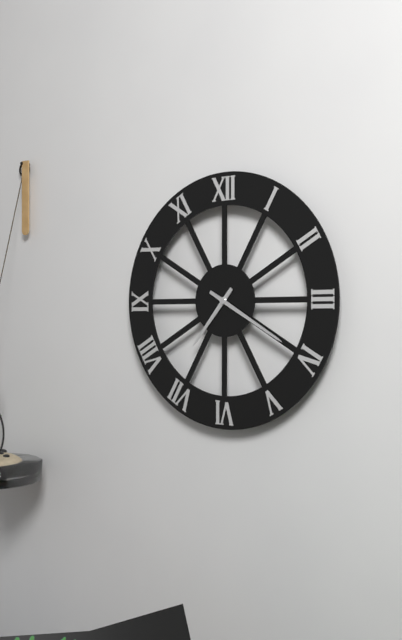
7 h 20 min
